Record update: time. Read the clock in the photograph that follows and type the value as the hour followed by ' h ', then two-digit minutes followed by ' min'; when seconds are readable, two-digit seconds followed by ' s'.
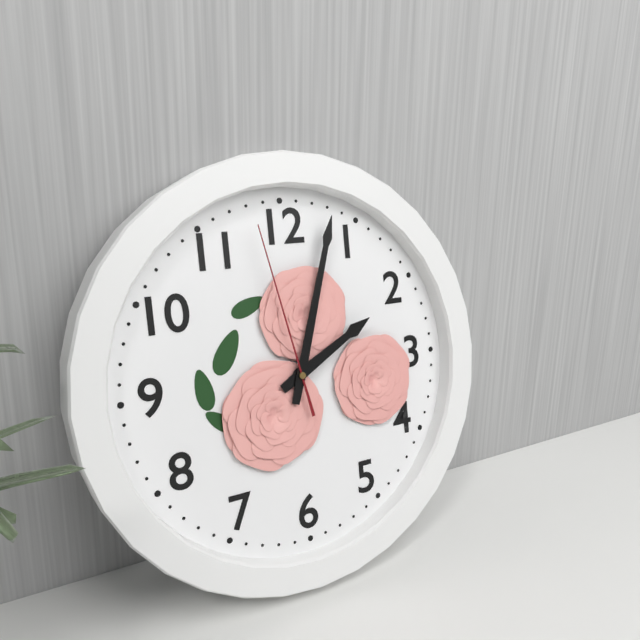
2 h 03 min 58 s
